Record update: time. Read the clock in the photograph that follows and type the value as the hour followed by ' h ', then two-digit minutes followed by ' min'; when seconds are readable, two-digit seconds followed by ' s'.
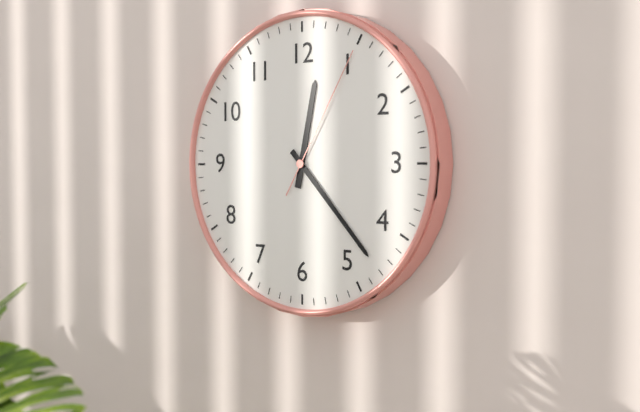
12 h 23 min 05 s
